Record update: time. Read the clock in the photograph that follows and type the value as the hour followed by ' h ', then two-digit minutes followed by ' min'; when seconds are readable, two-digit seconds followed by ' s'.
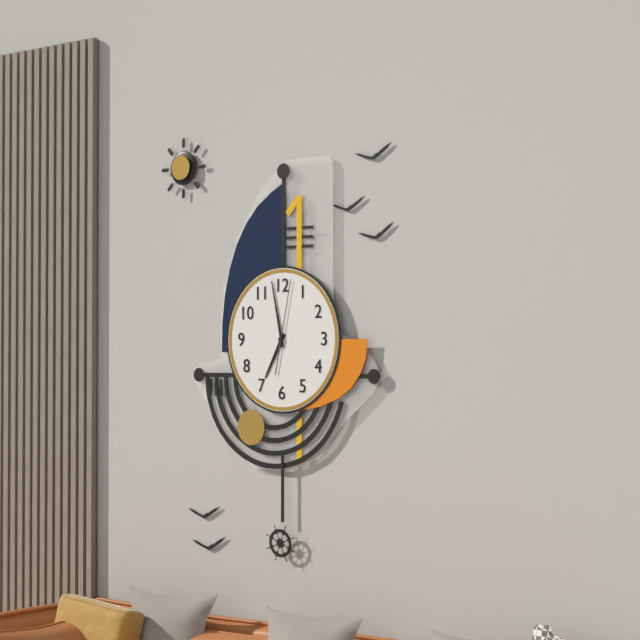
6 h 58 min 02 s
